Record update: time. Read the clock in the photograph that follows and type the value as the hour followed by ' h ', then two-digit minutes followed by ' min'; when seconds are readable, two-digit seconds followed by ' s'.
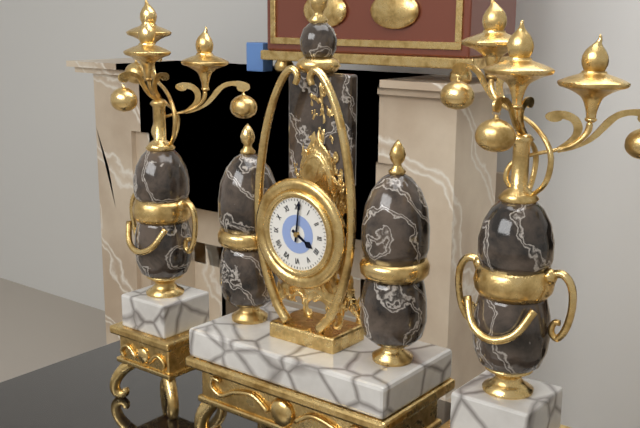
4 h 01 min
